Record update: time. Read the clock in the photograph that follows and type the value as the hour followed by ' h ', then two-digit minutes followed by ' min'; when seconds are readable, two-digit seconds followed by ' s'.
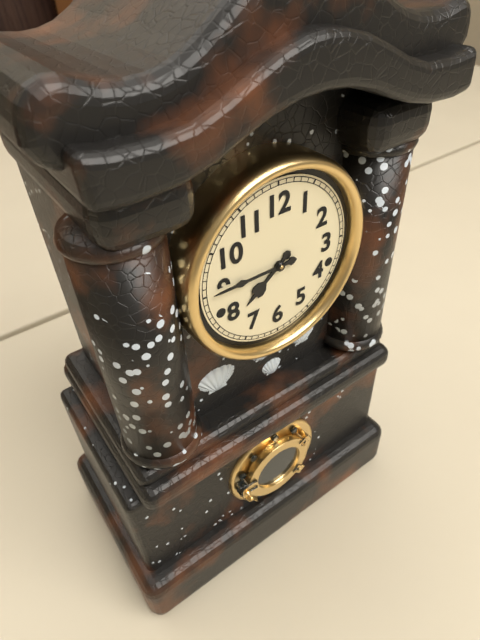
7 h 45 min
